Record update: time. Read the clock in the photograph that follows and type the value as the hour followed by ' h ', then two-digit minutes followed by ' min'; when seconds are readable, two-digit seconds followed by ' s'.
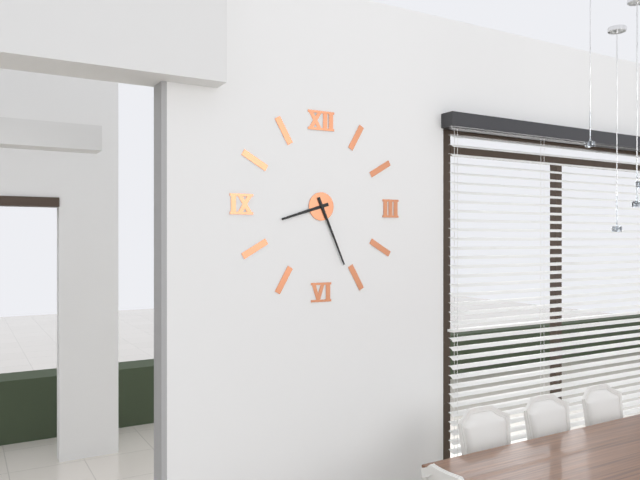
8 h 26 min
